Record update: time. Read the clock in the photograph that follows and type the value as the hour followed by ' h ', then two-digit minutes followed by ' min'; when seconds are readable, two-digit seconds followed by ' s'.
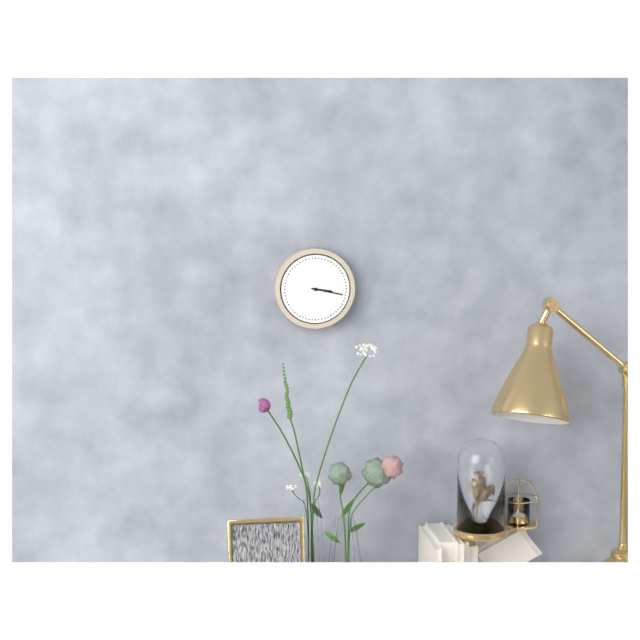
3 h 17 min
